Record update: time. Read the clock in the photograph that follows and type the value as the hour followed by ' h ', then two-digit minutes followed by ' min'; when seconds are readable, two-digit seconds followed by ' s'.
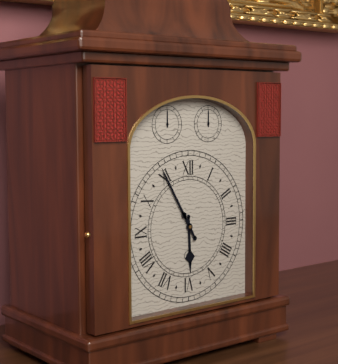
5 h 55 min
